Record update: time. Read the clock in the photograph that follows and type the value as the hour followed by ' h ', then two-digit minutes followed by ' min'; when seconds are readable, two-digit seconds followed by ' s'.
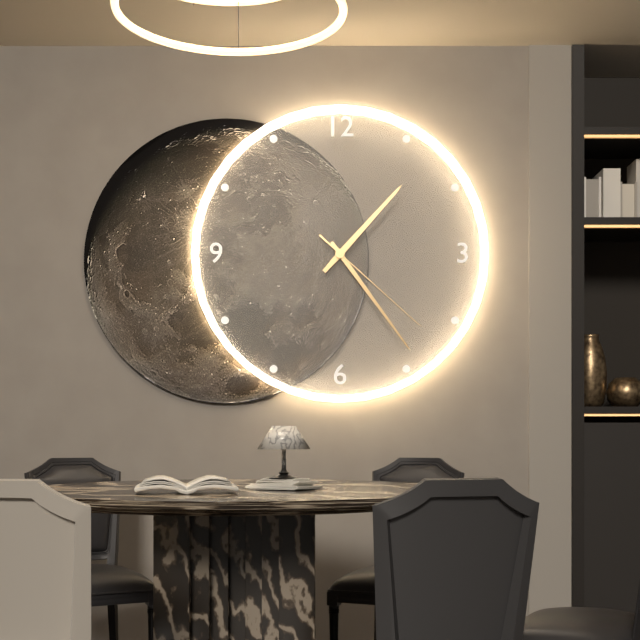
1 h 24 min 22 s
